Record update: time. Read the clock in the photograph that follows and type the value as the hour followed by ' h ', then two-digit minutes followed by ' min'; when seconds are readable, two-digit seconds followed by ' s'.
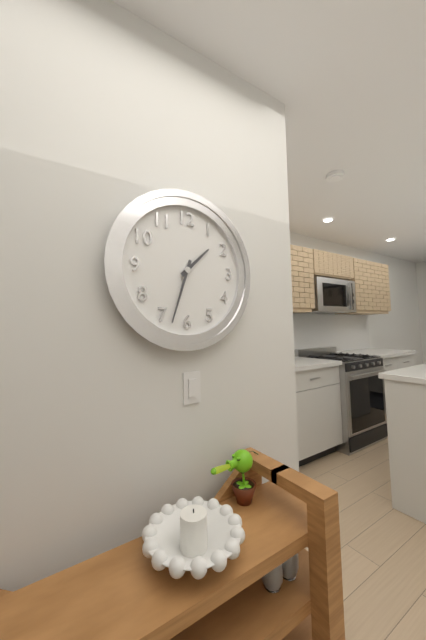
1 h 33 min
